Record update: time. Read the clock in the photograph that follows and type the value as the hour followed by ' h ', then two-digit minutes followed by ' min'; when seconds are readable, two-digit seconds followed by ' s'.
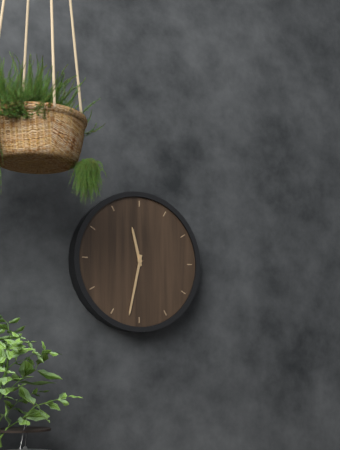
11 h 32 min
